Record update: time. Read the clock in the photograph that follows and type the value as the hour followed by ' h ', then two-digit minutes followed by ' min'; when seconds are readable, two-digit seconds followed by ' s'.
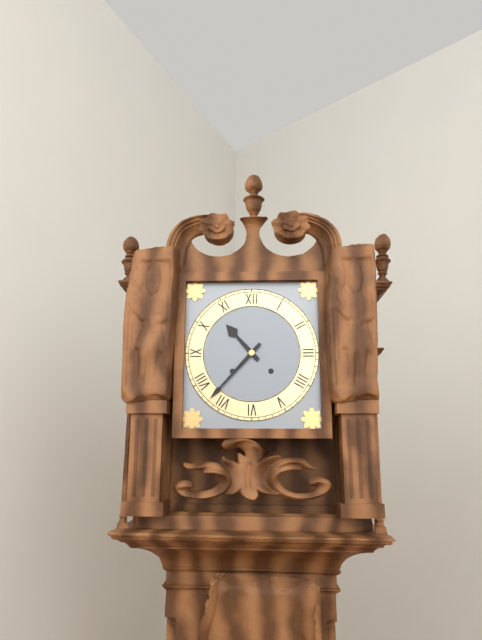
10 h 37 min
